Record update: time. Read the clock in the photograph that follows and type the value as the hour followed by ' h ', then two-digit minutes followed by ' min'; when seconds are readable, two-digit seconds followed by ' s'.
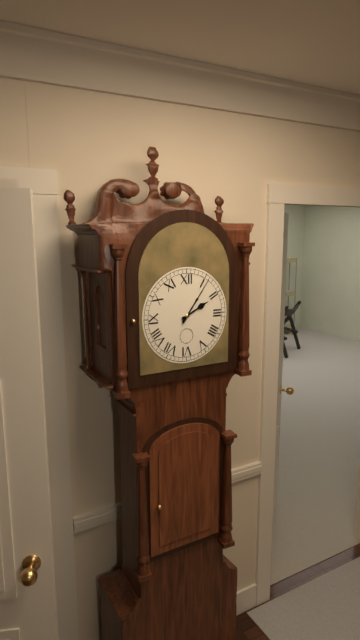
2 h 06 min
